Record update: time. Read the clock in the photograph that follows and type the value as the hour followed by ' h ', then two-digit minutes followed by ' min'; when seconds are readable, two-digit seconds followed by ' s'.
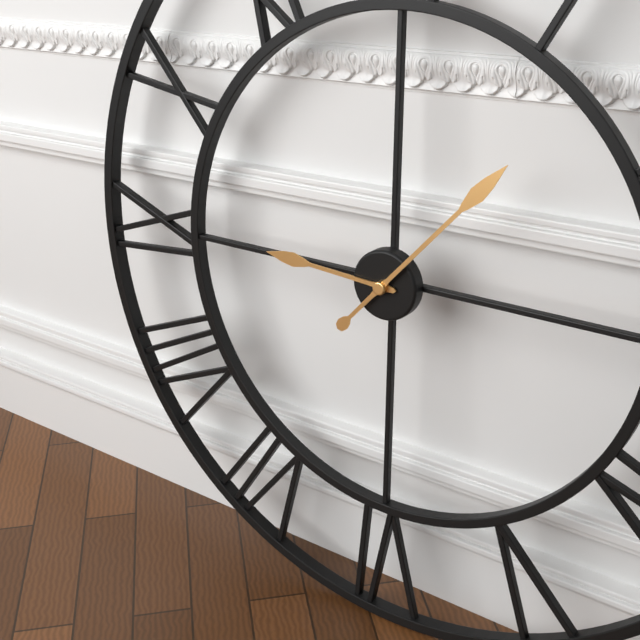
9 h 07 min
